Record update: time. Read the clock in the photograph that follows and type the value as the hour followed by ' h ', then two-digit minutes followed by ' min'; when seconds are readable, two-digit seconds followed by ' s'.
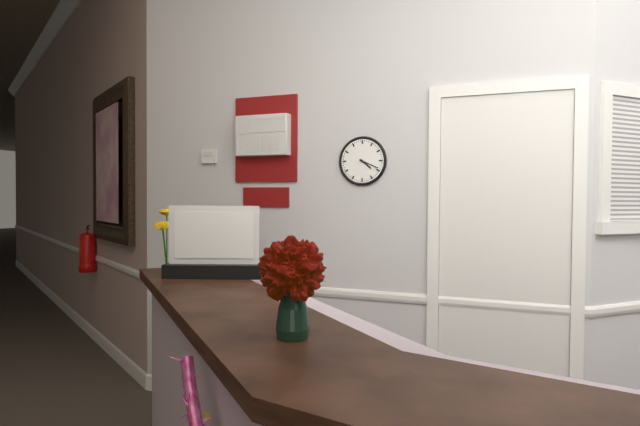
4 h 19 min
